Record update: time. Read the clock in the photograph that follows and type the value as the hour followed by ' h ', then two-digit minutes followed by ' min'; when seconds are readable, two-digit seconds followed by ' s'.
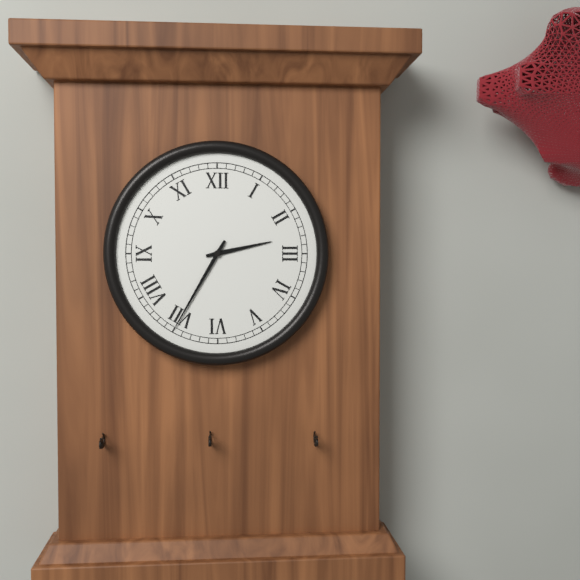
2 h 35 min
